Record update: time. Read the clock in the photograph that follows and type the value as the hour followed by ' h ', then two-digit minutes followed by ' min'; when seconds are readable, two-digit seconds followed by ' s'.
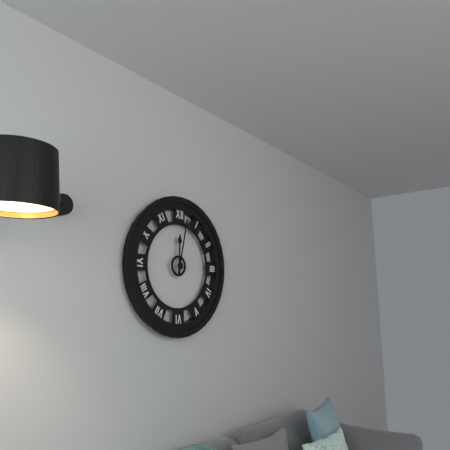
12 h 02 min
